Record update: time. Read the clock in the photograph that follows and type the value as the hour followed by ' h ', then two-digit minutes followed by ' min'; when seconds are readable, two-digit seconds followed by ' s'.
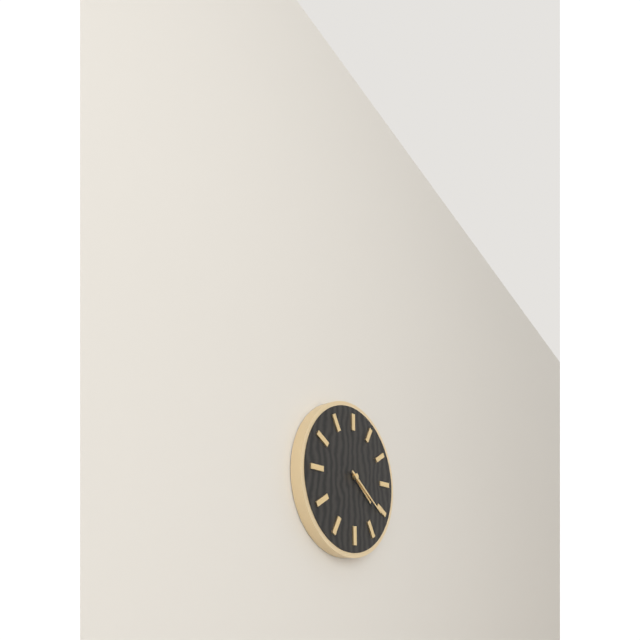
4 h 21 min
